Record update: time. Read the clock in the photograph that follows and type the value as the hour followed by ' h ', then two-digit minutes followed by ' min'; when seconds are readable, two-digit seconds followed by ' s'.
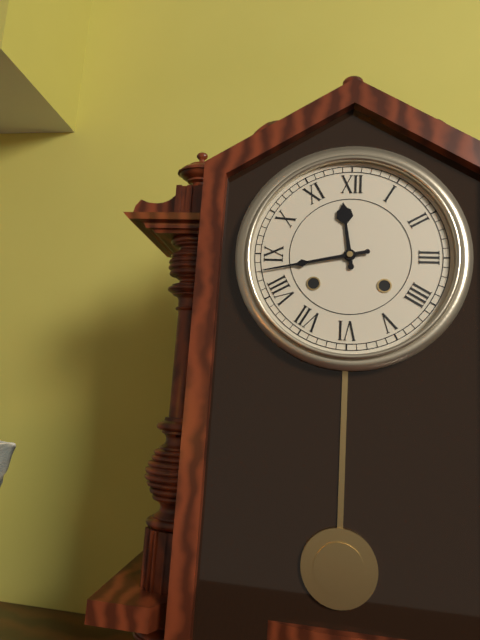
11 h 43 min
